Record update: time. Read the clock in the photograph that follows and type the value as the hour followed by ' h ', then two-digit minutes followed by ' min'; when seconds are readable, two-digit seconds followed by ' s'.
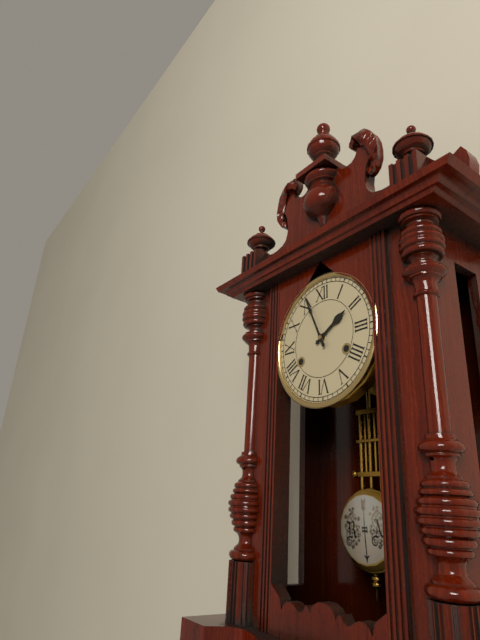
1 h 56 min
